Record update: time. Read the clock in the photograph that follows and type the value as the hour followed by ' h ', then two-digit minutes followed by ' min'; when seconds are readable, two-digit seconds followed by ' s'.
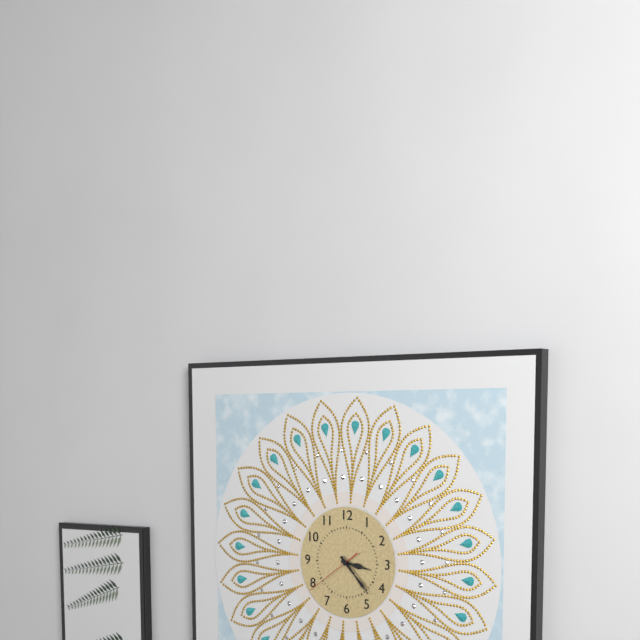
3 h 23 min 39 s
